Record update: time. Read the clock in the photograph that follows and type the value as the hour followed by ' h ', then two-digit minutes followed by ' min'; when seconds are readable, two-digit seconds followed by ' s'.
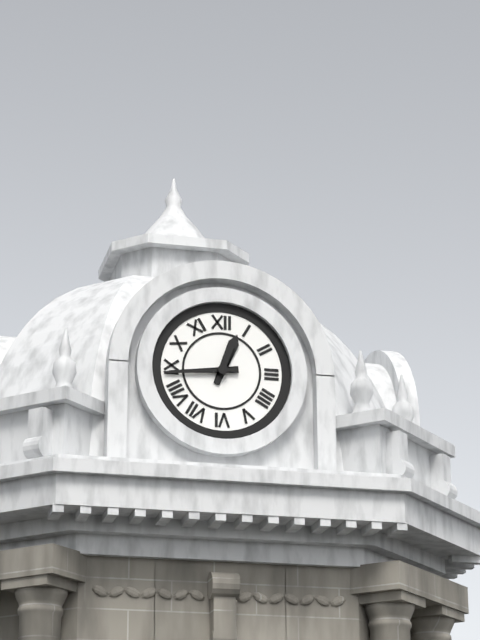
12 h 44 min
